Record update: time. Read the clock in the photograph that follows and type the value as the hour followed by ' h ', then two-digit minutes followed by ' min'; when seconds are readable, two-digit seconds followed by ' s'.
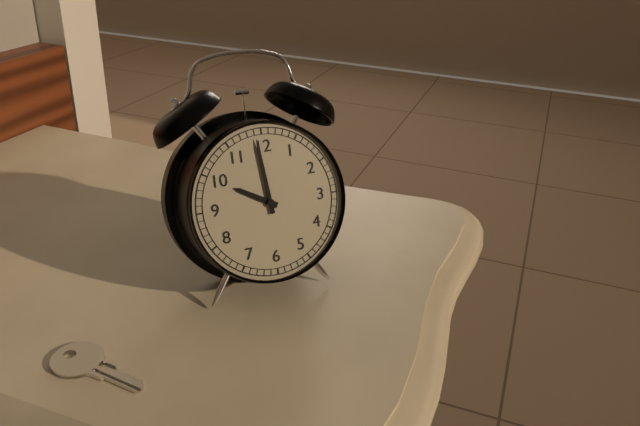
9 h 59 min
